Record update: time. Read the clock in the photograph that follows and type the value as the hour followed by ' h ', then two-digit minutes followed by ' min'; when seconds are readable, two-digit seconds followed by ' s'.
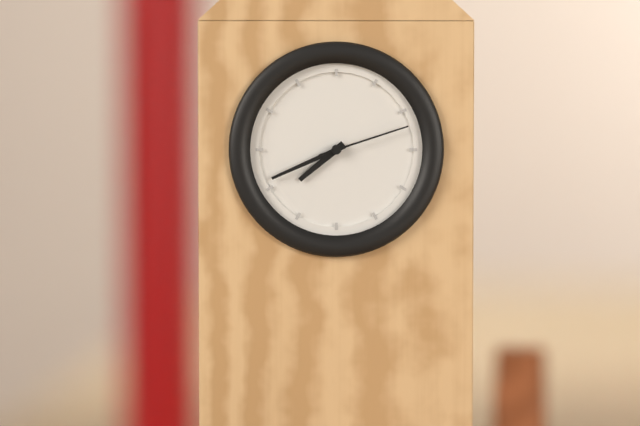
7 h 41 min 12 s
